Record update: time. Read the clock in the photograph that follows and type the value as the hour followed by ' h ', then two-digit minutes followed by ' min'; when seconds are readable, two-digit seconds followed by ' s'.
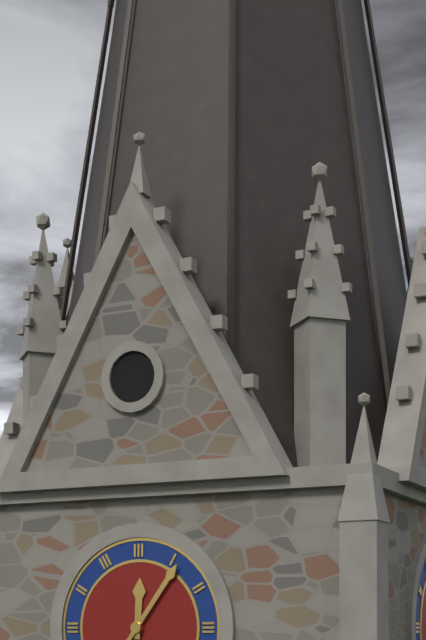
12 h 06 min
